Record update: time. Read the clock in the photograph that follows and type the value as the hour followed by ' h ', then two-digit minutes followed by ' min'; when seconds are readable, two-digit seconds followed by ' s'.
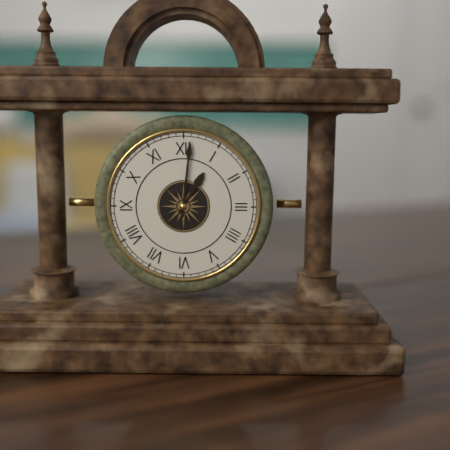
1 h 01 min
